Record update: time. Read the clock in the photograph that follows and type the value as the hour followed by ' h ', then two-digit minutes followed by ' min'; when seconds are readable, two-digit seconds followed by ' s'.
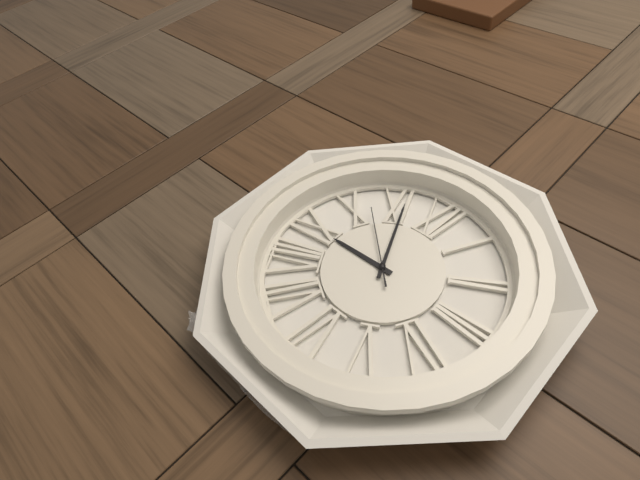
8 h 56 min 52 s
